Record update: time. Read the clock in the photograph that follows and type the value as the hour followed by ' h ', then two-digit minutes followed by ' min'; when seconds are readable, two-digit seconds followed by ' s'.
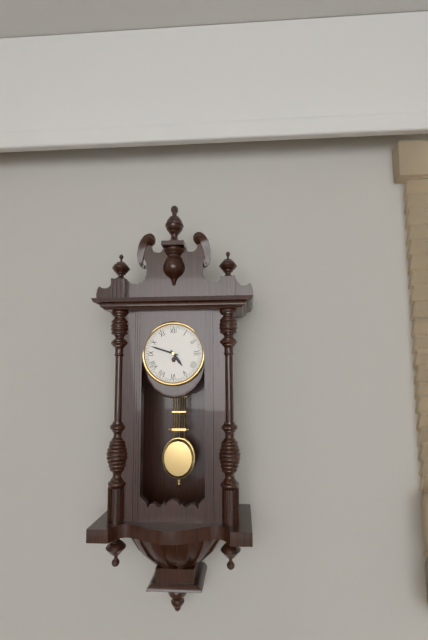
4 h 48 min
